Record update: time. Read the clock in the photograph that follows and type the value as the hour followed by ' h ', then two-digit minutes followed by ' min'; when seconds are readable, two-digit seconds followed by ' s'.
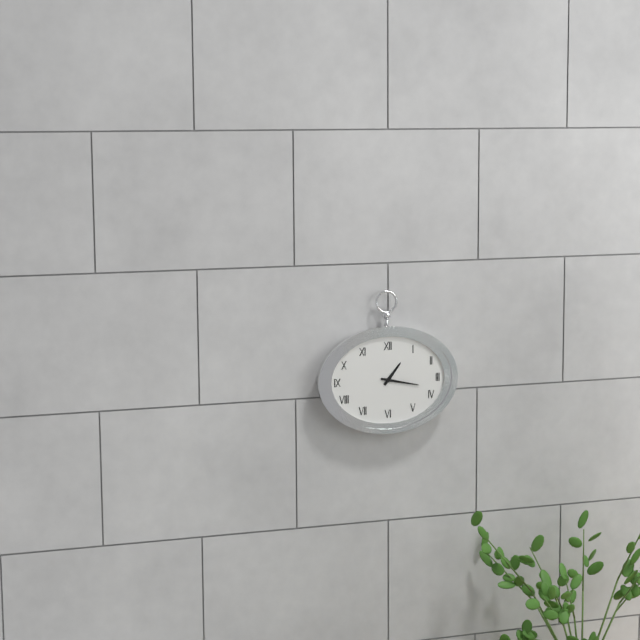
1 h 17 min
